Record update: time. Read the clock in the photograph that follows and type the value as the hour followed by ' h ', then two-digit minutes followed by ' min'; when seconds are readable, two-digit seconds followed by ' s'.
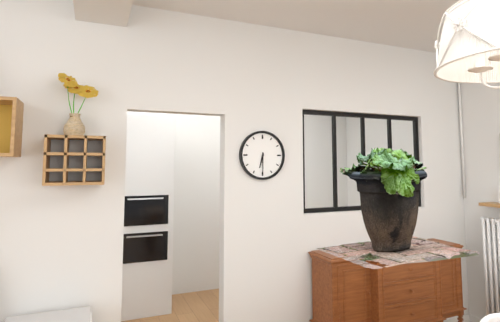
6 h 30 min
